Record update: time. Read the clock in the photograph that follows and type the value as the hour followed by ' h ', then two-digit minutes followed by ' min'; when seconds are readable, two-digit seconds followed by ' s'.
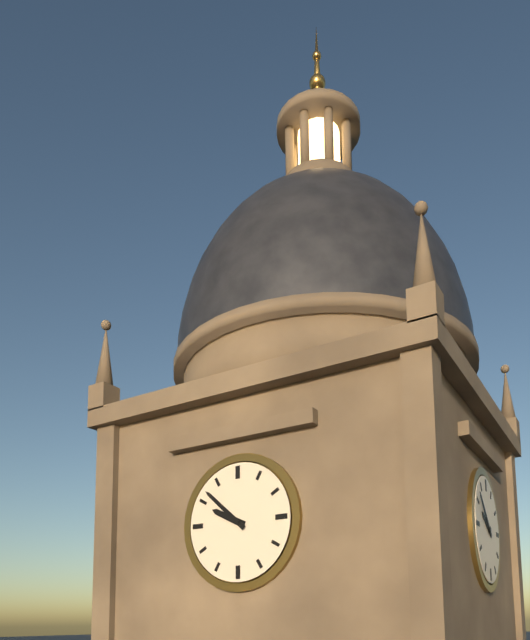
9 h 52 min
